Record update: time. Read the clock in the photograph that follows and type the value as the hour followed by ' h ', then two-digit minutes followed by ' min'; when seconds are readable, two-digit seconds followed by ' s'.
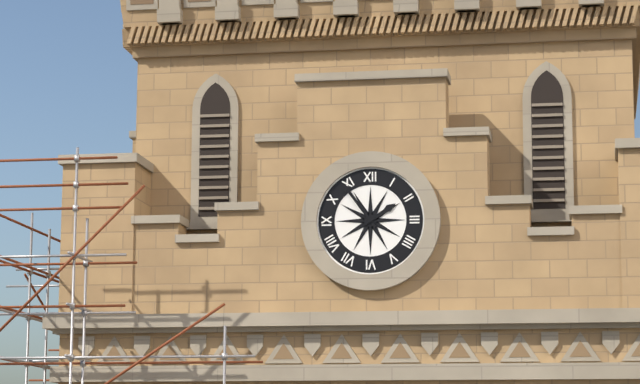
1 h 54 min
